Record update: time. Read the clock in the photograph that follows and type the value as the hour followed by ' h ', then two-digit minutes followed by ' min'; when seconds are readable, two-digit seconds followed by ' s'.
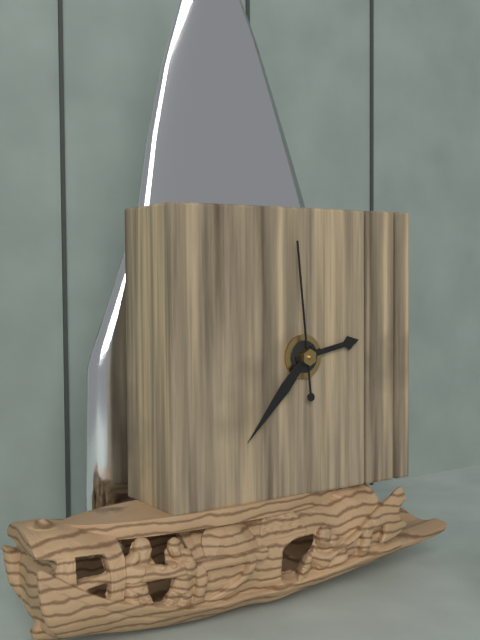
2 h 37 min 59 s
